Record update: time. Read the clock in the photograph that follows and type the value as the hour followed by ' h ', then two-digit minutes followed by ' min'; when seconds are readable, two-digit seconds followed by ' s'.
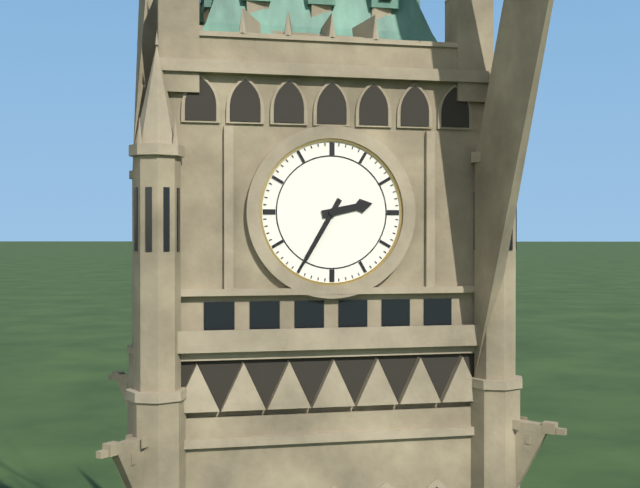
2 h 35 min
